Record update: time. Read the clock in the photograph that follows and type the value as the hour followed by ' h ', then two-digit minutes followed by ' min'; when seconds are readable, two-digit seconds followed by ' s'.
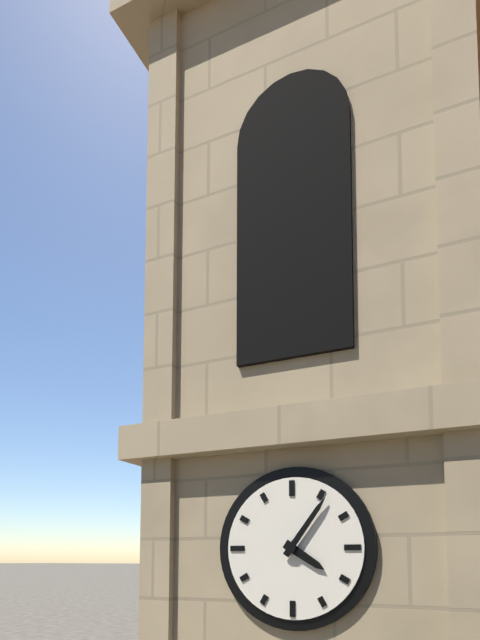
4 h 06 min
